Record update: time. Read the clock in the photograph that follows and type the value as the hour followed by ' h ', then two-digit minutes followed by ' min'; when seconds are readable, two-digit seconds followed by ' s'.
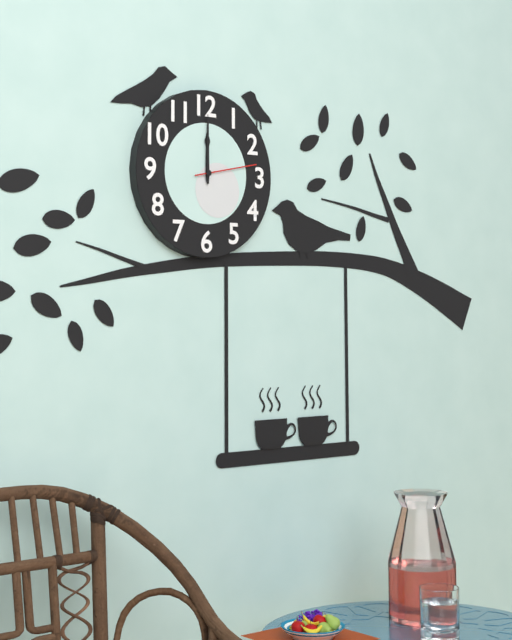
12 h 00 min 13 s
